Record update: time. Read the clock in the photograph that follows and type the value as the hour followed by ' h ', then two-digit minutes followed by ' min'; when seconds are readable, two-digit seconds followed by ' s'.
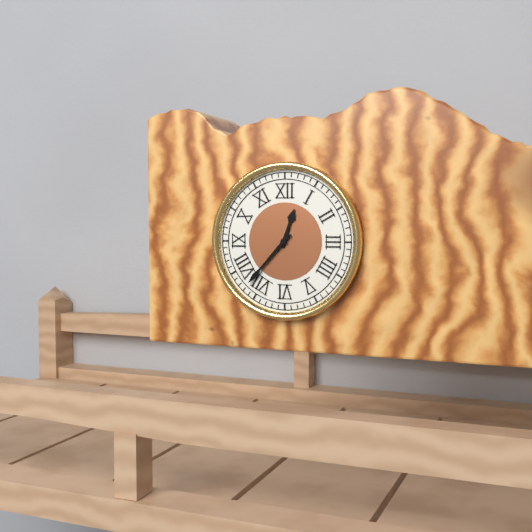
12 h 37 min
